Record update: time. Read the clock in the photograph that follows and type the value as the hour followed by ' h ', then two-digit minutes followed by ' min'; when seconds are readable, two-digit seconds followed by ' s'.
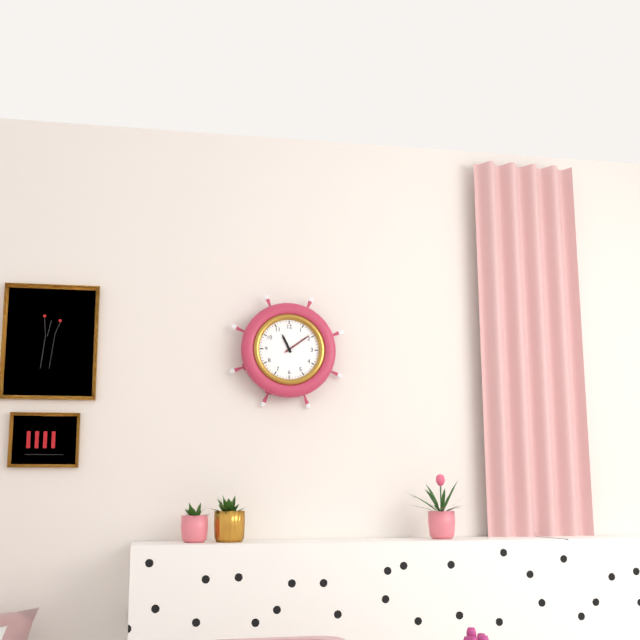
11 h 09 min
